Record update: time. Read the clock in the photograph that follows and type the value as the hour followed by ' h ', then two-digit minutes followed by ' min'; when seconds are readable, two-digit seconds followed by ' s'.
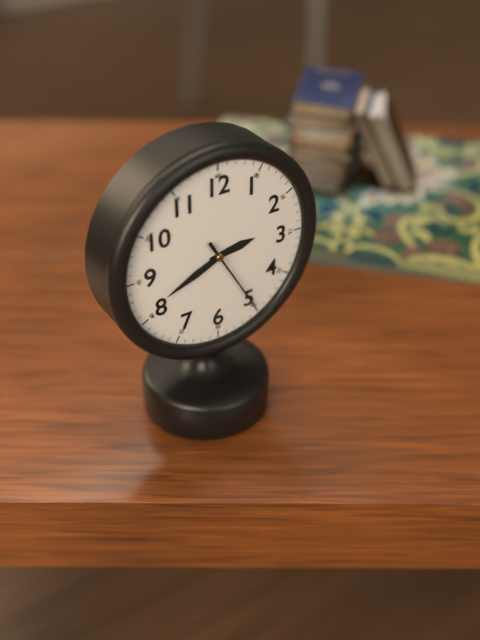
2 h 41 min 25 s
